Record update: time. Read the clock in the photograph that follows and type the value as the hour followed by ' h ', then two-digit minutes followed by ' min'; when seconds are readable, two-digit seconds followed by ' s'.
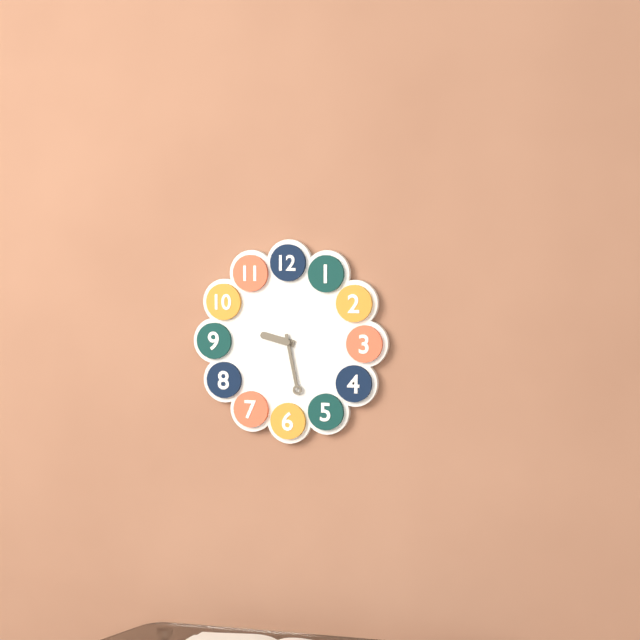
9 h 28 min
